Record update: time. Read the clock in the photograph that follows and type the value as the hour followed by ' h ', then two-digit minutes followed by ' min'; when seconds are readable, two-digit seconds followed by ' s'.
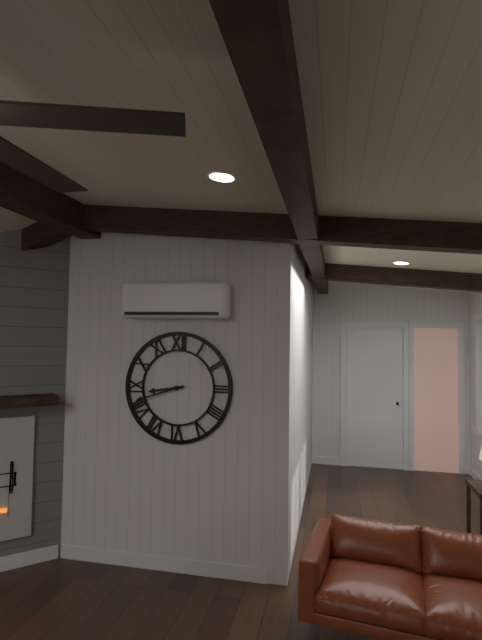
8 h 42 min
